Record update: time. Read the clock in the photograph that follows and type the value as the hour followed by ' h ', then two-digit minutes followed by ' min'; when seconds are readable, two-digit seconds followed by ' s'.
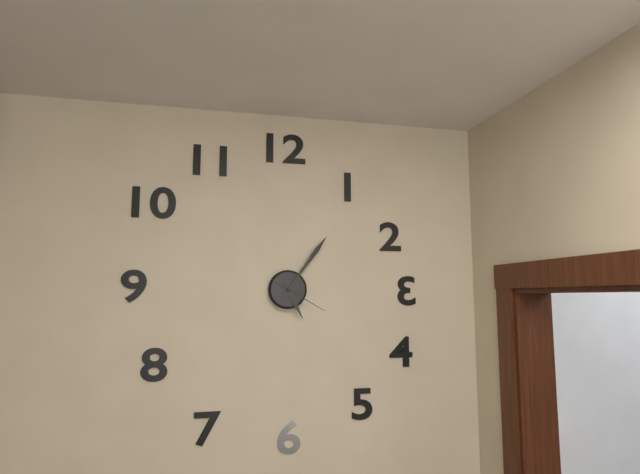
5 h 06 min 20 s
